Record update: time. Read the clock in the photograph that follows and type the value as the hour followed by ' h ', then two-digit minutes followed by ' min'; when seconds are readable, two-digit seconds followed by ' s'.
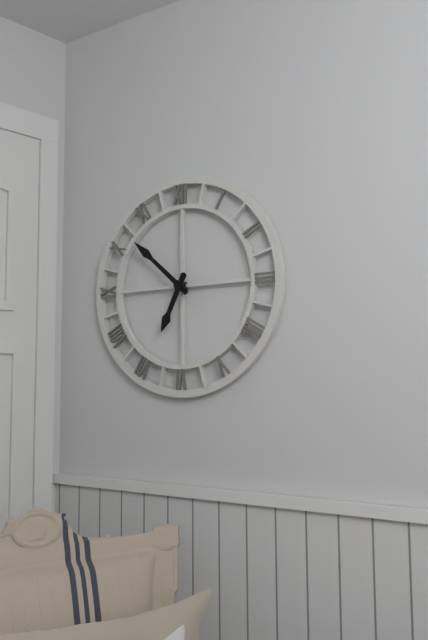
6 h 52 min
